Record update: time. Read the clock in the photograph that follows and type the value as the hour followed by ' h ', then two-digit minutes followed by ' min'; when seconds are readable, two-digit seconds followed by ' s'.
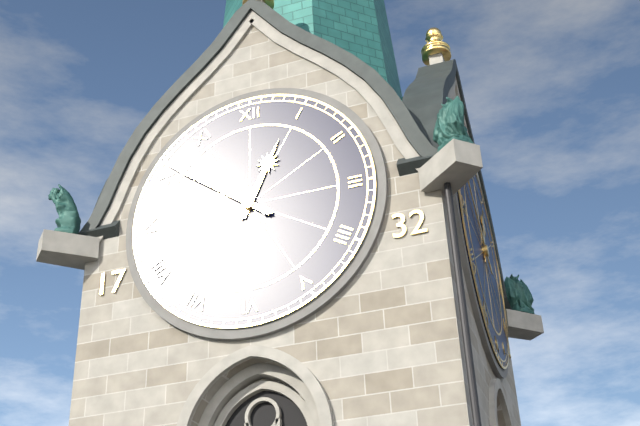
12 h 51 min
